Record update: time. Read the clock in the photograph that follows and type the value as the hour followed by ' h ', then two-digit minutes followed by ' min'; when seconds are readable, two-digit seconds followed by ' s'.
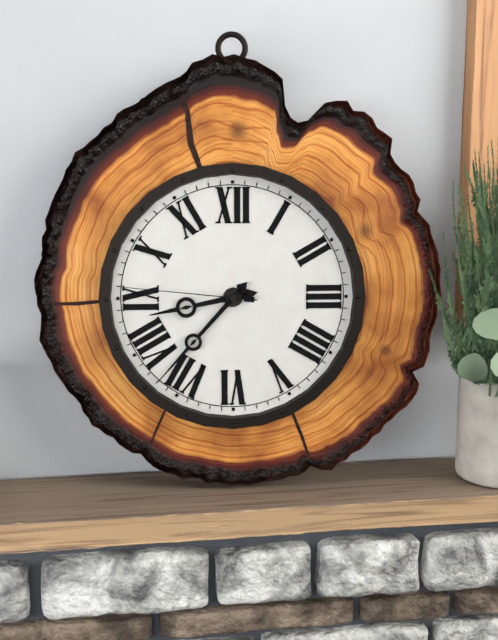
8 h 37 min 46 s
